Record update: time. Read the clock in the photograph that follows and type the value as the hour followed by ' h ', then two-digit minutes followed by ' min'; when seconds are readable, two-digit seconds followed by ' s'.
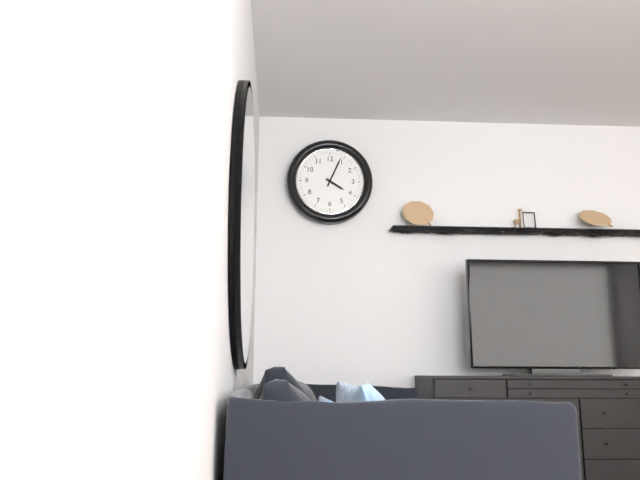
4 h 04 min
